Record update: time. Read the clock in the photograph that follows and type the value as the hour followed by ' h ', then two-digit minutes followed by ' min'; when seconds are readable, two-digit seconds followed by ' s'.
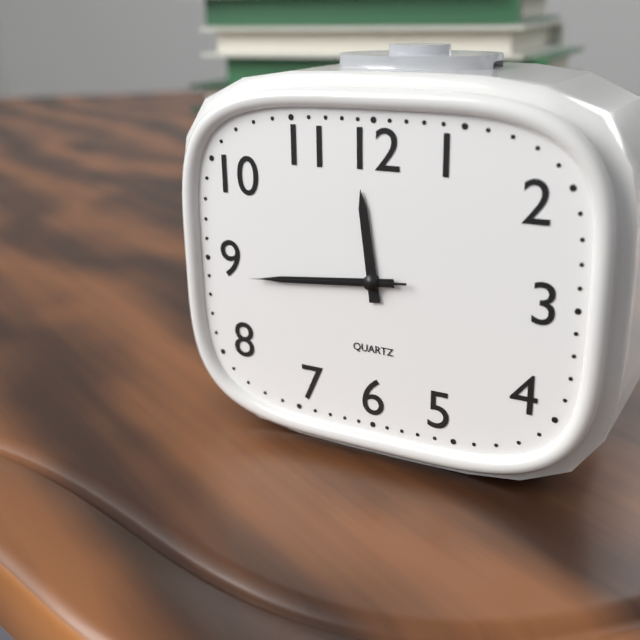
11 h 44 min 44 s
